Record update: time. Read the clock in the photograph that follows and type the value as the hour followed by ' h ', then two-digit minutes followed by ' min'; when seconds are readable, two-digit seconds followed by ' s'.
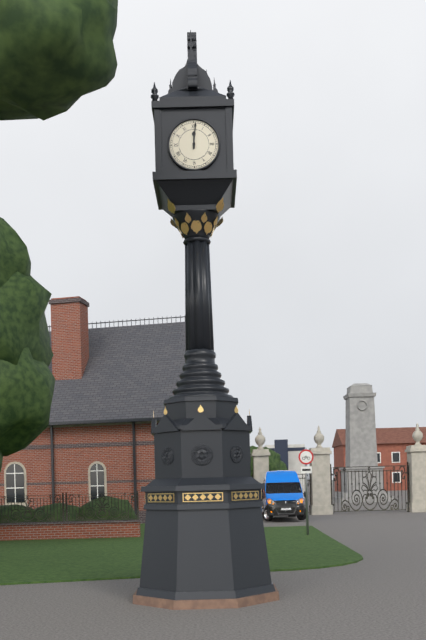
12 h 01 min
